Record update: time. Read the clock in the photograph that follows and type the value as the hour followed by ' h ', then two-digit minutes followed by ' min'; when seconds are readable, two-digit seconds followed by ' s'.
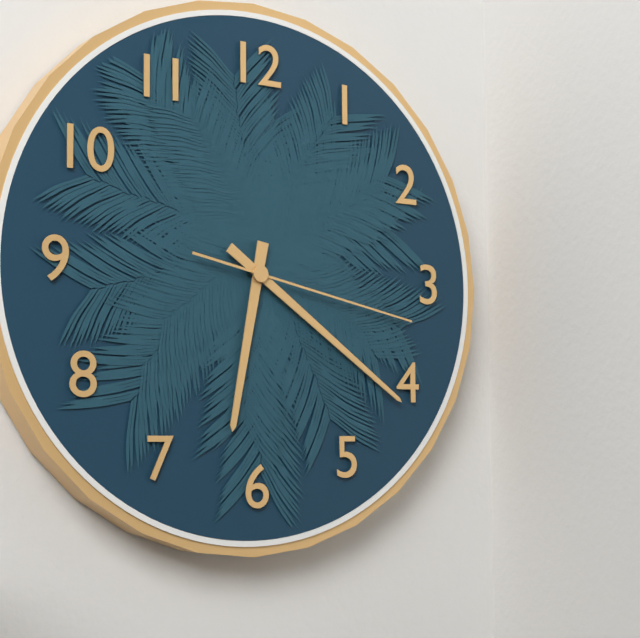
6 h 21 min 17 s
